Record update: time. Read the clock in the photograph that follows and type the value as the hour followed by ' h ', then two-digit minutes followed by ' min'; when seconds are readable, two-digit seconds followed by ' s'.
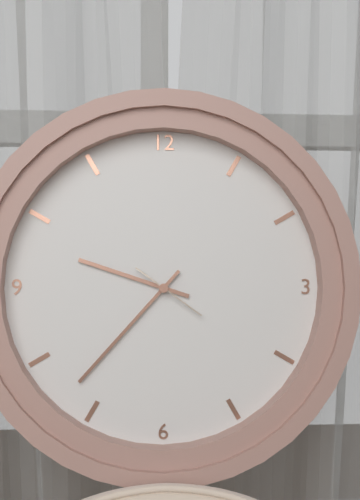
9 h 37 min 21 s
